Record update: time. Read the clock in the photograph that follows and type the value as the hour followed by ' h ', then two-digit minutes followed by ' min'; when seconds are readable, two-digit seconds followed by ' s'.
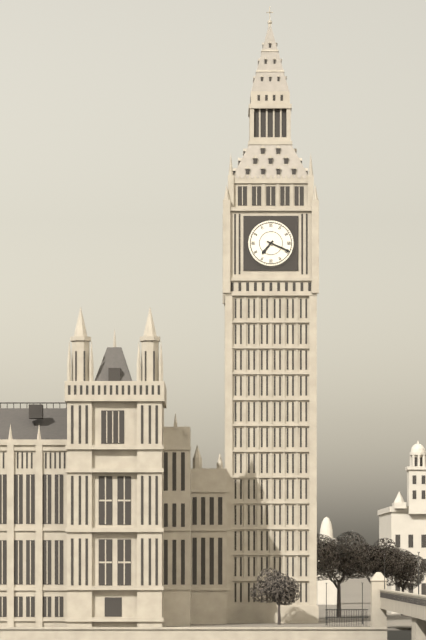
7 h 19 min
